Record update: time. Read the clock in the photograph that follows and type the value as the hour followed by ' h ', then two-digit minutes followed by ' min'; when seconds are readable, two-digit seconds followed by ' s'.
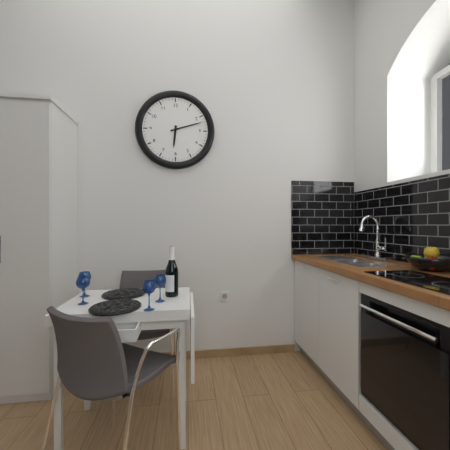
6 h 12 min
